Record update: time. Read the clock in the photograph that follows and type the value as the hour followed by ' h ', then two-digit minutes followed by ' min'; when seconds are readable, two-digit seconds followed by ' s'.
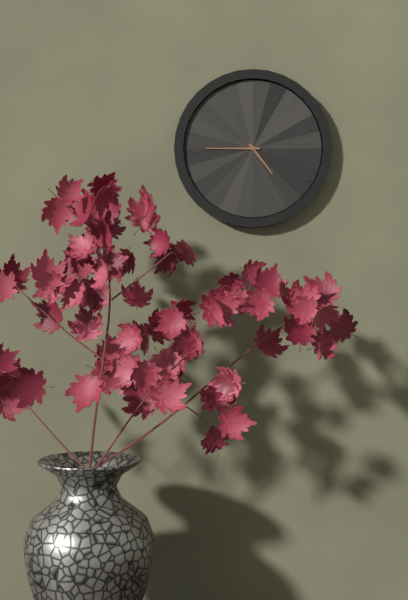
4 h 45 min
